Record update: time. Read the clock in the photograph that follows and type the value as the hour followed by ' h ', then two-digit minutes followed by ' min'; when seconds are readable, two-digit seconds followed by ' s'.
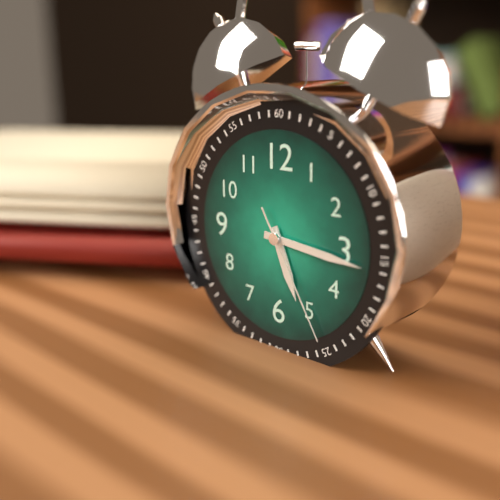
5 h 16 min 25 s
